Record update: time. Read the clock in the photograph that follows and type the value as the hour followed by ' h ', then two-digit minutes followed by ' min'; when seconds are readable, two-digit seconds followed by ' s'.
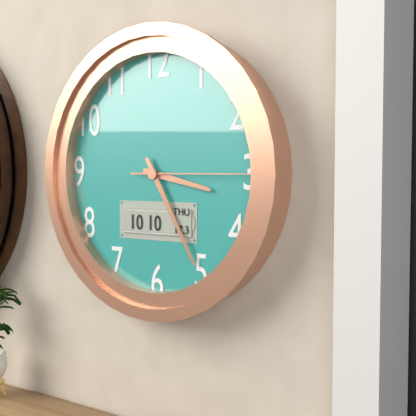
3 h 25 min 15 s
